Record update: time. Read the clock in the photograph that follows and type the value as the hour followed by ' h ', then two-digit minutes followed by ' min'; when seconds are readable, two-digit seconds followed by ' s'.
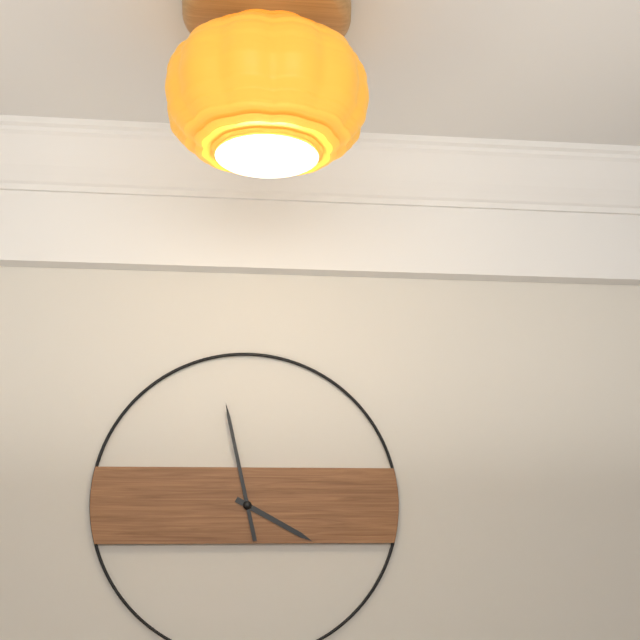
3 h 58 min
